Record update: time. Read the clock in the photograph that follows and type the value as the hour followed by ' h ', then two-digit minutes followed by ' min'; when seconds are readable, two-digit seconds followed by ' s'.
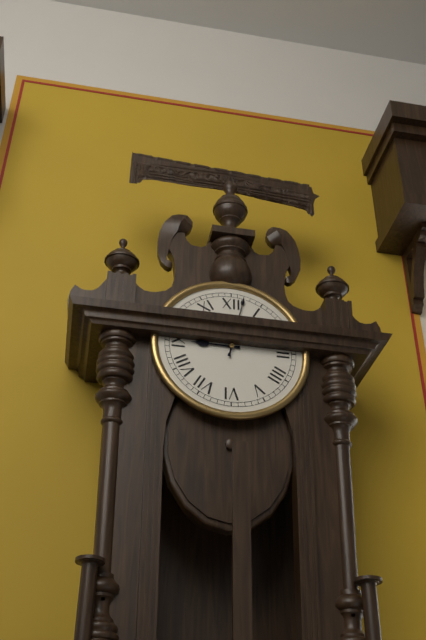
9 h 02 min
